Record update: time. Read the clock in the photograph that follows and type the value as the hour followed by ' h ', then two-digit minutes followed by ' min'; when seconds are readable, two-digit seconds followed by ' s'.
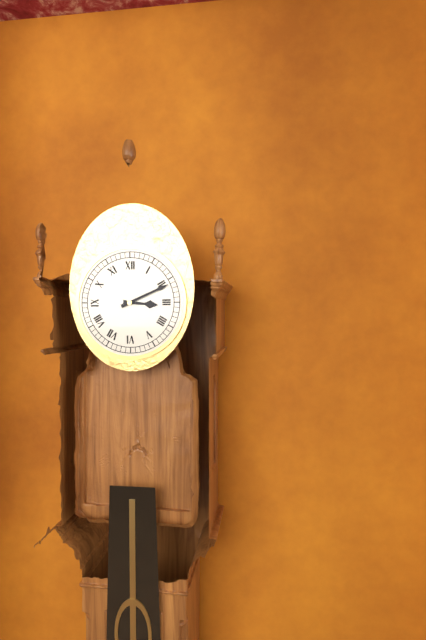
3 h 11 min
